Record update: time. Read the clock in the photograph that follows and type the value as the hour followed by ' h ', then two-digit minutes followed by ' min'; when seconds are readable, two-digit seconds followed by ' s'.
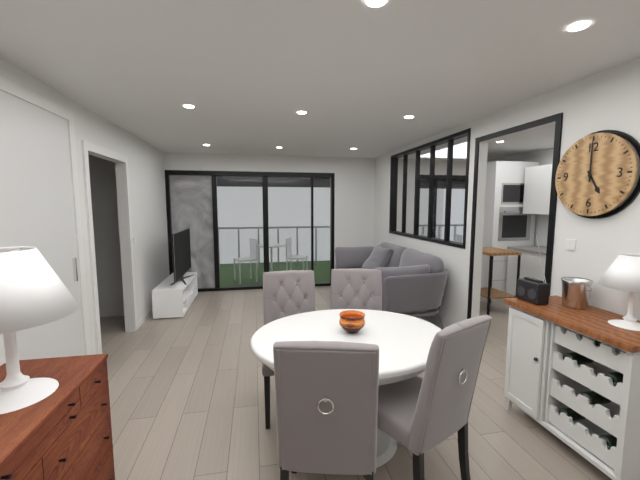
5 h 00 min
